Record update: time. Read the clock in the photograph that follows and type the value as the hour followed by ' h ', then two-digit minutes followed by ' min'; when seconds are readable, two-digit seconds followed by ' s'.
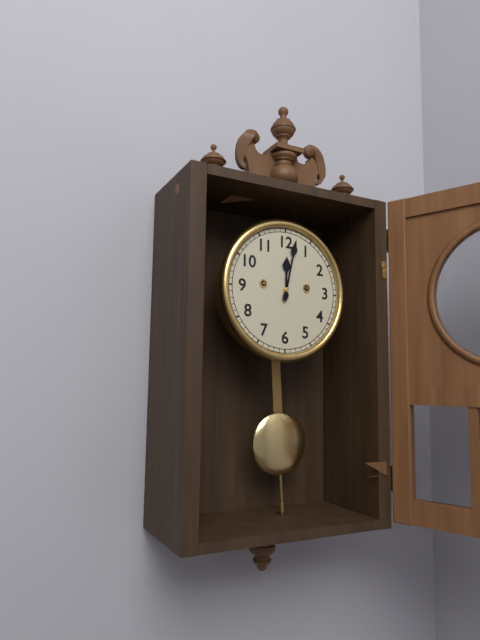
12 h 02 min
